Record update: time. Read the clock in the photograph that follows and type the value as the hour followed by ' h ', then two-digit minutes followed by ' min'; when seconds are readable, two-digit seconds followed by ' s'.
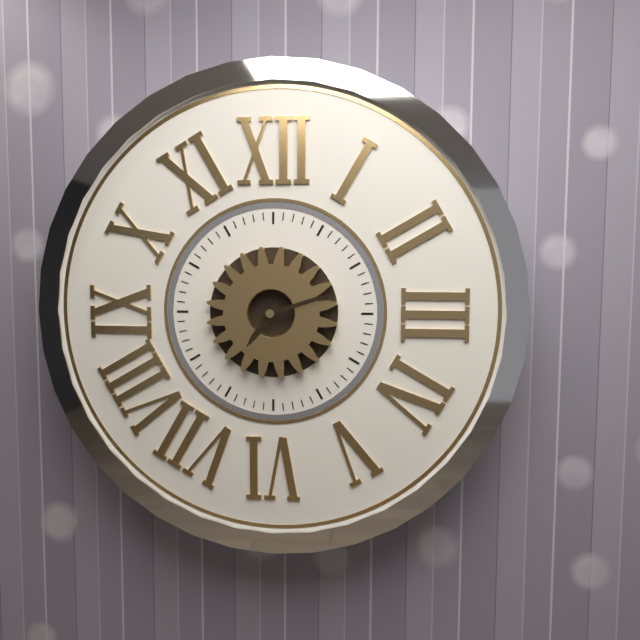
7 h 12 min
